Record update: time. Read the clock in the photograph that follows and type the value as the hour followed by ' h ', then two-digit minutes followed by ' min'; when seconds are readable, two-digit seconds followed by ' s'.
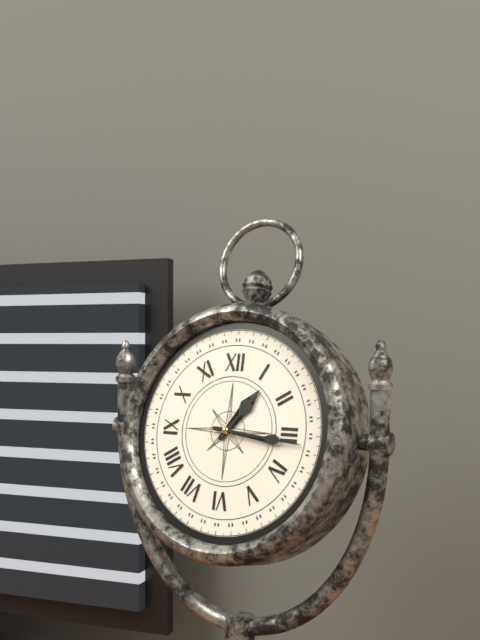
1 h 16 min
